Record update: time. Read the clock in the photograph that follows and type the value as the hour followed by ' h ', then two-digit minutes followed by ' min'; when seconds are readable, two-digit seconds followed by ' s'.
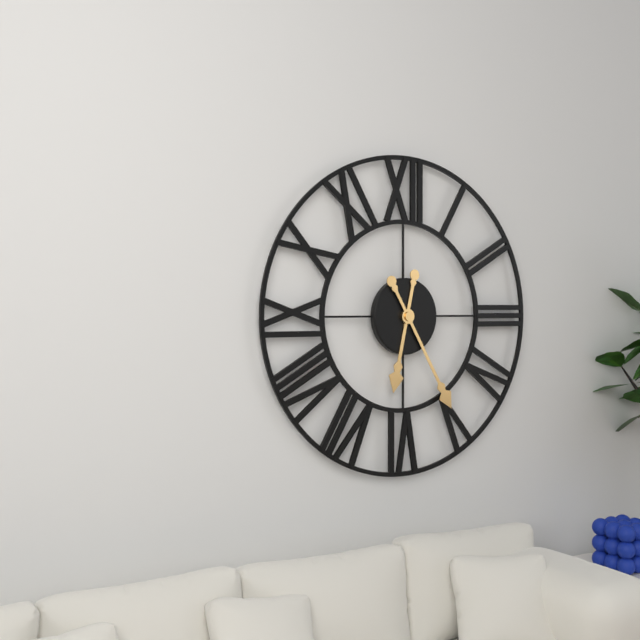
6 h 25 min
